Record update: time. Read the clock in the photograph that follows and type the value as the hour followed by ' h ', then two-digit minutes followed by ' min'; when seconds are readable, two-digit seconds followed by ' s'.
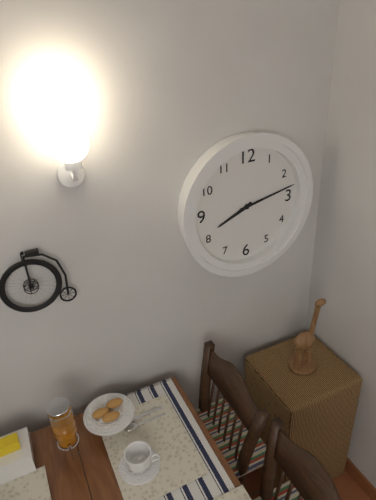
8 h 13 min
